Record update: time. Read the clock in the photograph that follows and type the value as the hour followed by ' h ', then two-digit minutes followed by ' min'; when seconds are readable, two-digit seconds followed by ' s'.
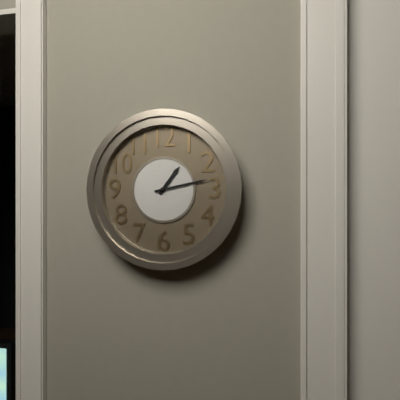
1 h 13 min
